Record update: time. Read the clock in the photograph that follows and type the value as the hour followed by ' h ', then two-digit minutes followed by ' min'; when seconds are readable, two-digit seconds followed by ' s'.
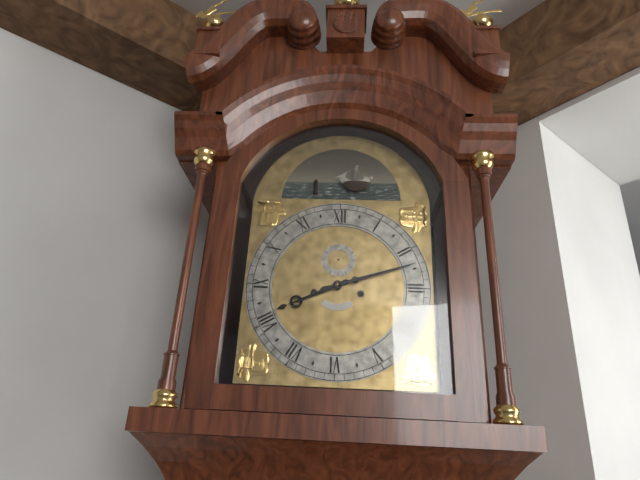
8 h 12 min
